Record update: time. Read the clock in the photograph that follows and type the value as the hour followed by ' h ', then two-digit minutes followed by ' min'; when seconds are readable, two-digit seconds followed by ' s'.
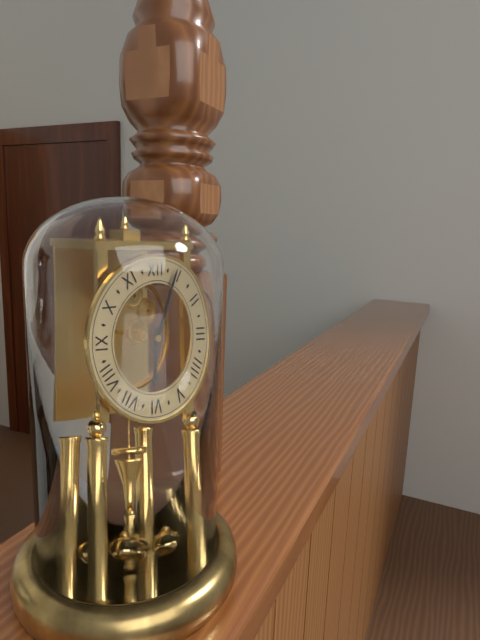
6 h 04 min
